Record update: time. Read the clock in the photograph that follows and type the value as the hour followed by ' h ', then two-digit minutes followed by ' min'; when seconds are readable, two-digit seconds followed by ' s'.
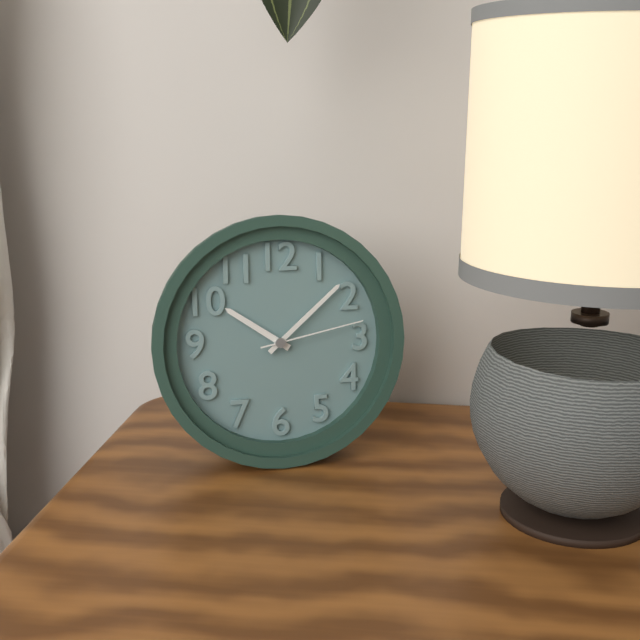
10 h 08 min 13 s
